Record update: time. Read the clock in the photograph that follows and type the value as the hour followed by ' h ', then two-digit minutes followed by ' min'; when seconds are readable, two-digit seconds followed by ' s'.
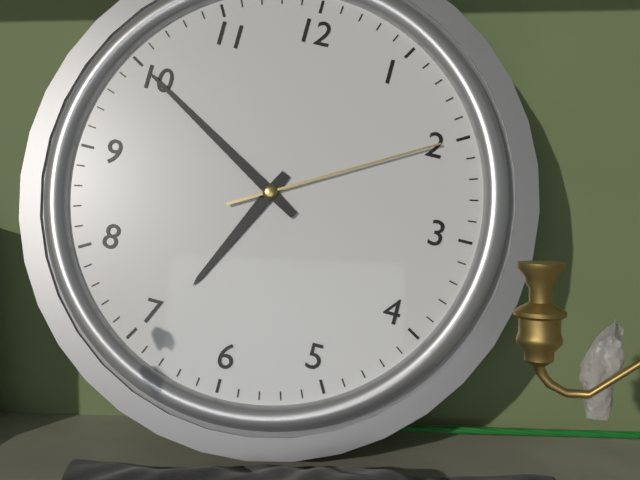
6 h 50 min 10 s
